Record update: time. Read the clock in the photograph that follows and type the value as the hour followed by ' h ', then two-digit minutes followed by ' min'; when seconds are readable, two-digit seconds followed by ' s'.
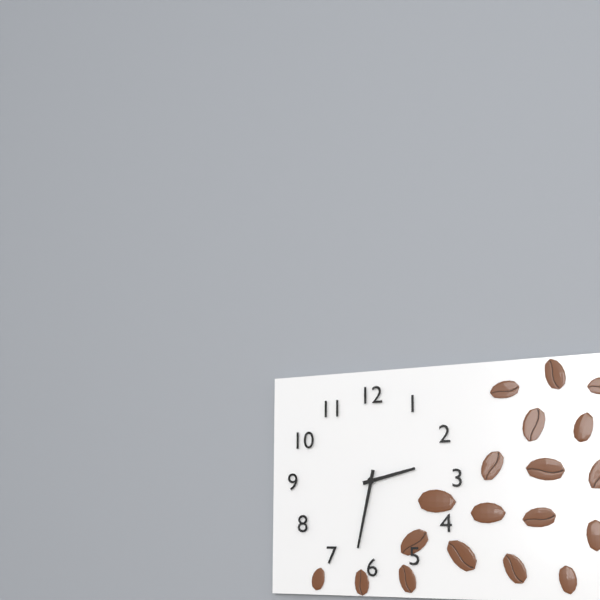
2 h 32 min
